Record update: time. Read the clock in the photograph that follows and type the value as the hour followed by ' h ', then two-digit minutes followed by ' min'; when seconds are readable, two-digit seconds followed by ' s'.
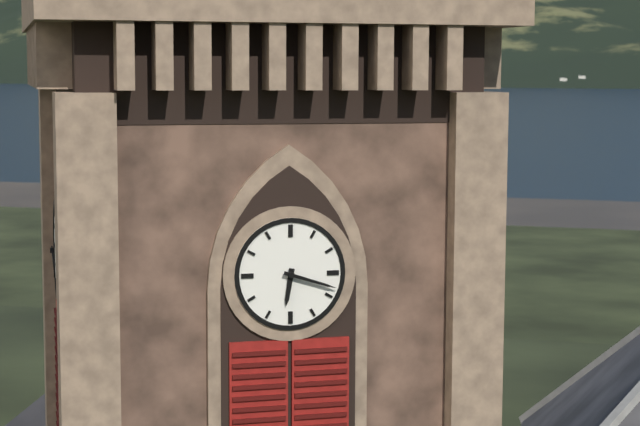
6 h 18 min
